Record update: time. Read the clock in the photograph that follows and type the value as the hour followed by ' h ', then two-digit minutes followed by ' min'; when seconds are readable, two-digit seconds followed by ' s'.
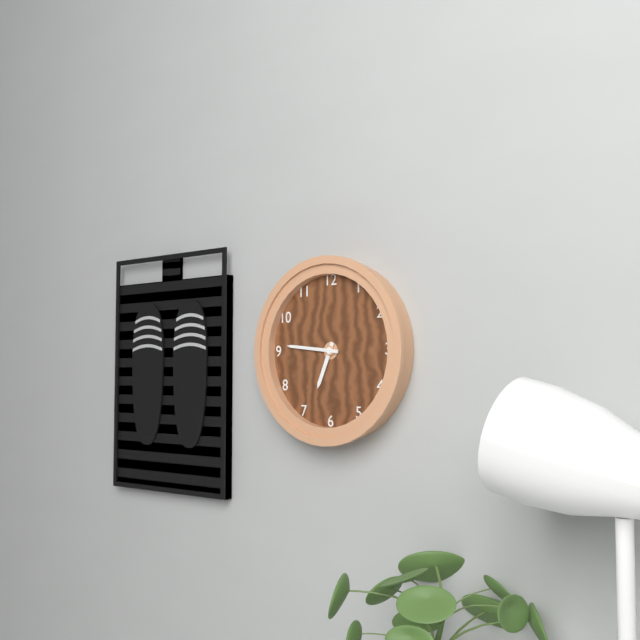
6 h 46 min
